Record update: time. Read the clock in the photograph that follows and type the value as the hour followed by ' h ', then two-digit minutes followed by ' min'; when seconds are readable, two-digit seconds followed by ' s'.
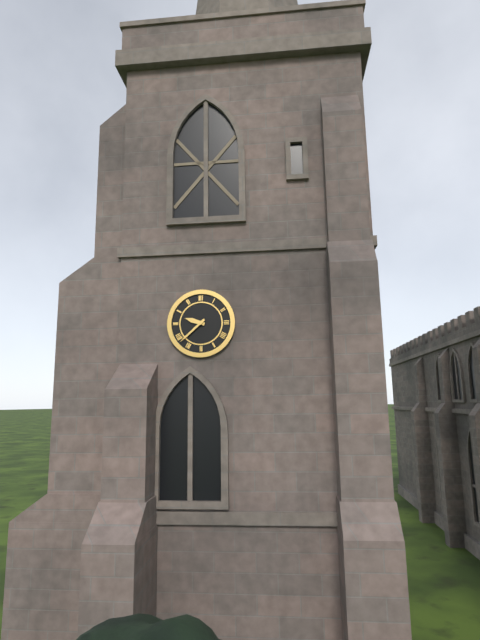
9 h 38 min
